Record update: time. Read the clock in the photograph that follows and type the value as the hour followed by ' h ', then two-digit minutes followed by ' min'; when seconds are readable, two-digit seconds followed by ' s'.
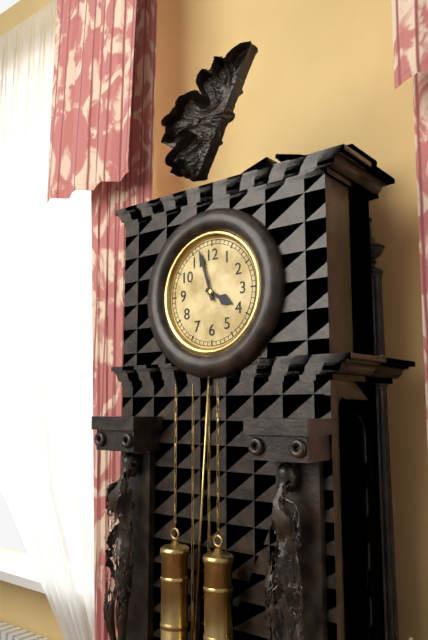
3 h 57 min
